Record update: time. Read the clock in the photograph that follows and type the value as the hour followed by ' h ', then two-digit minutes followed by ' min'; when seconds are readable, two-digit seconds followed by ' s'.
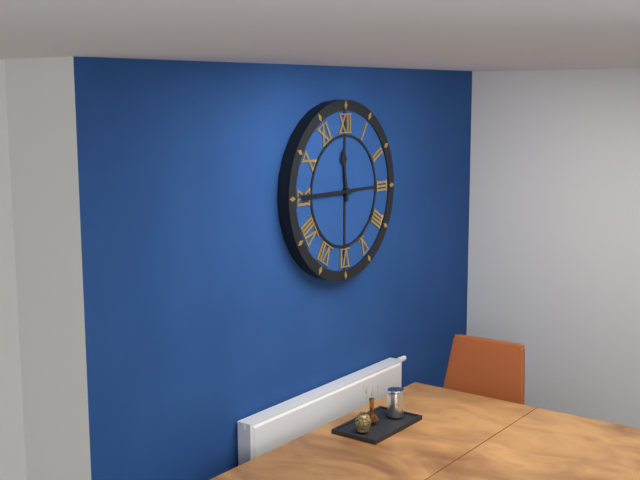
11 h 45 min
